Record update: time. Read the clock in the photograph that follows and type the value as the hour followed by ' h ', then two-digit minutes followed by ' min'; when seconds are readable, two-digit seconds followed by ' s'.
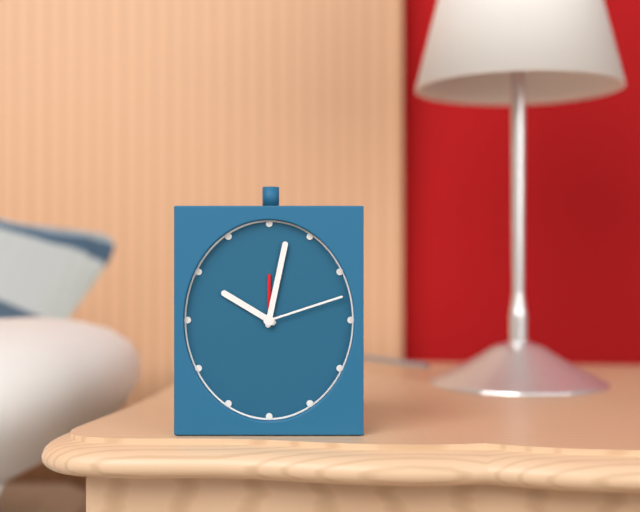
10 h 02 min 12 s
